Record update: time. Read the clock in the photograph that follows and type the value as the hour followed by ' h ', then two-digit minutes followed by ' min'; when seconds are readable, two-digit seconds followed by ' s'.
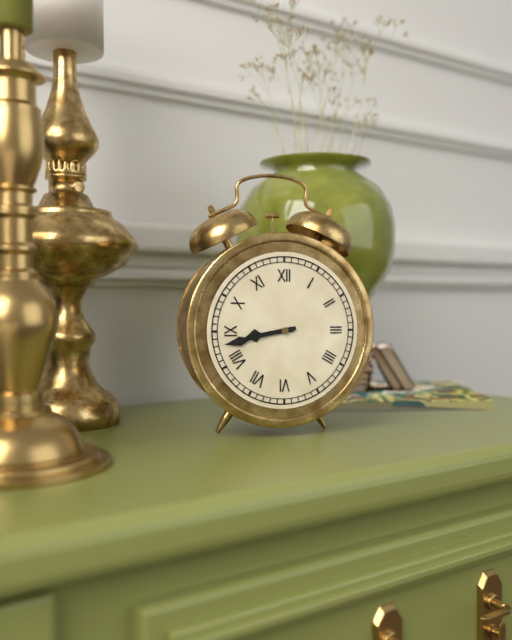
8 h 43 min
